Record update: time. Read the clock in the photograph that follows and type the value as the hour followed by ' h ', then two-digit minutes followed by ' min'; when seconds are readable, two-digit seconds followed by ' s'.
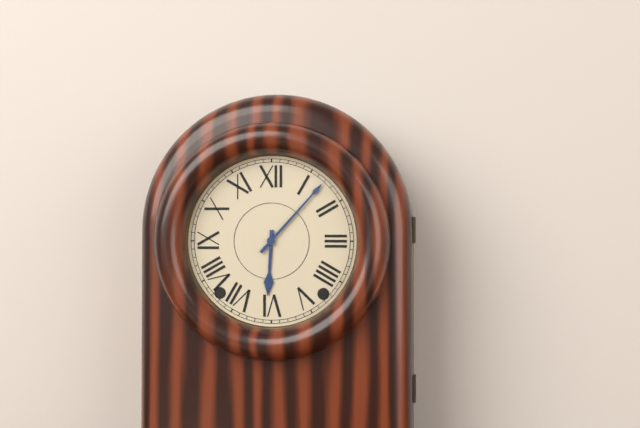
6 h 07 min
